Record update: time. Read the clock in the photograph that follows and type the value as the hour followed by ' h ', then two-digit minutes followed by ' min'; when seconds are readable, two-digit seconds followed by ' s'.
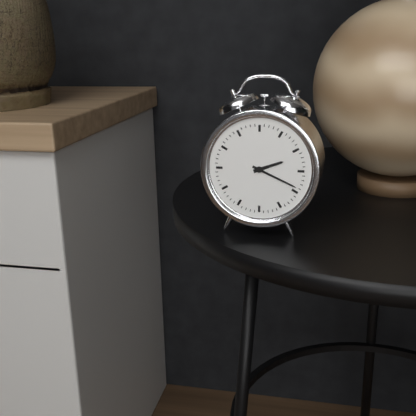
2 h 19 min
